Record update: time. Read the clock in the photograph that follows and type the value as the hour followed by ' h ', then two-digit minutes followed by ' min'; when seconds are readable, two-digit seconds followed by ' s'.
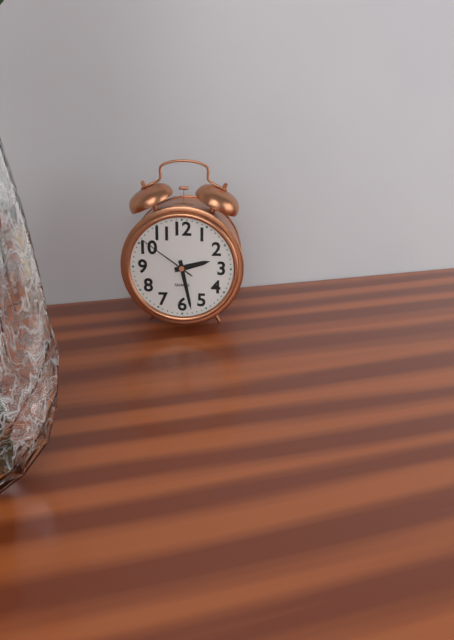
2 h 28 min 51 s
